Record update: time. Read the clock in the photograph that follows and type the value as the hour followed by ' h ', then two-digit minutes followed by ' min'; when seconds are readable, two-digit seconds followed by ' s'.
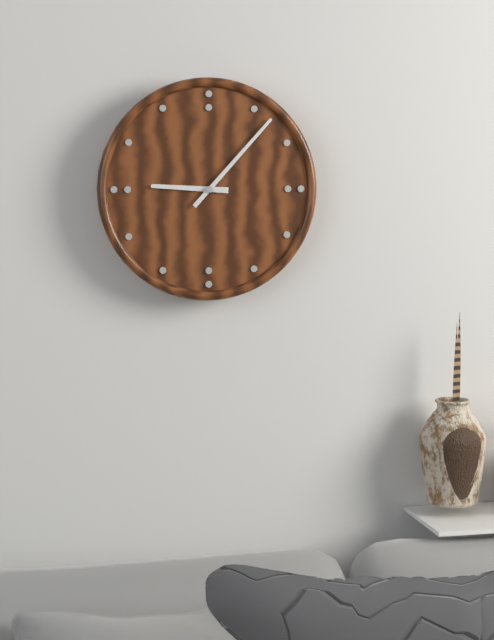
9 h 07 min
